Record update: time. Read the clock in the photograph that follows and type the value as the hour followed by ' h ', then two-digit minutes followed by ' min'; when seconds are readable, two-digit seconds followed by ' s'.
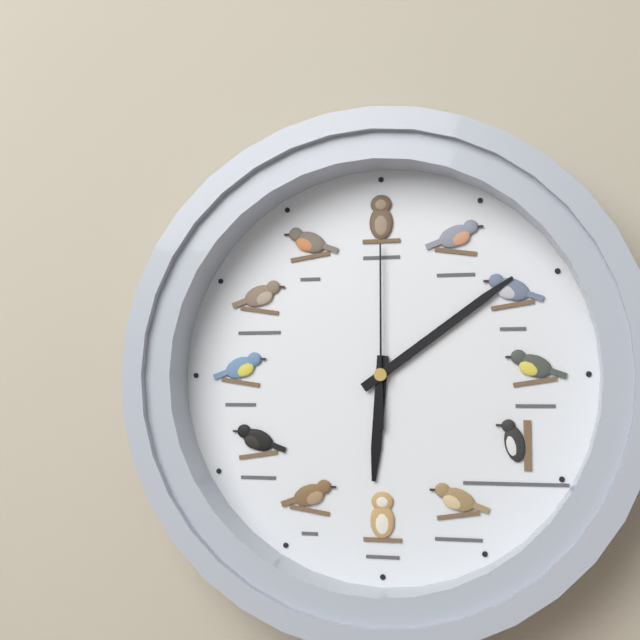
6 h 09 min 00 s
